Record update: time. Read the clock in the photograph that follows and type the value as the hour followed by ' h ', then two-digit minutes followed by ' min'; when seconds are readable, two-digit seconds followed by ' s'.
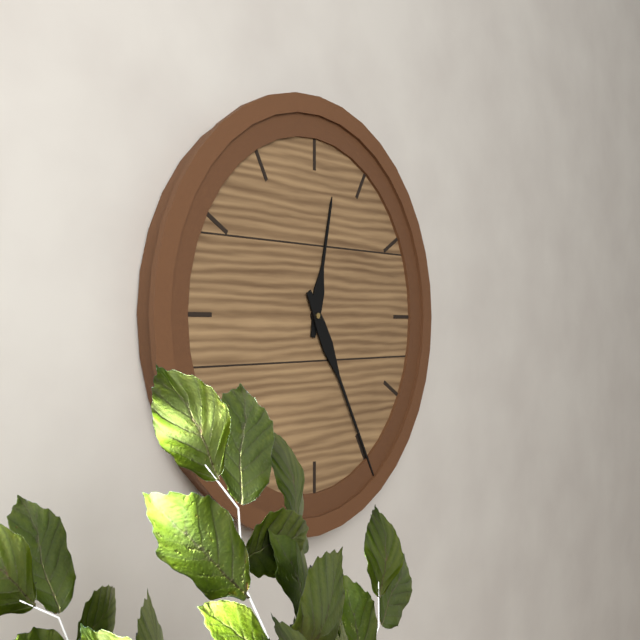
12 h 25 min
